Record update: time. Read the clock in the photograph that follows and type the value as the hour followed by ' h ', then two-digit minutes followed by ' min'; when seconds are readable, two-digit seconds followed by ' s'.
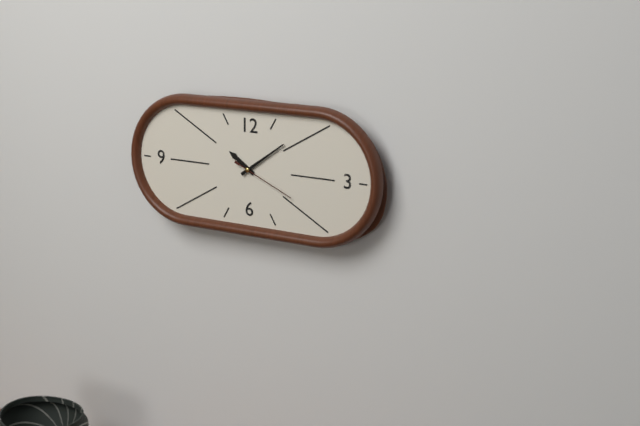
10 h 09 min 19 s
